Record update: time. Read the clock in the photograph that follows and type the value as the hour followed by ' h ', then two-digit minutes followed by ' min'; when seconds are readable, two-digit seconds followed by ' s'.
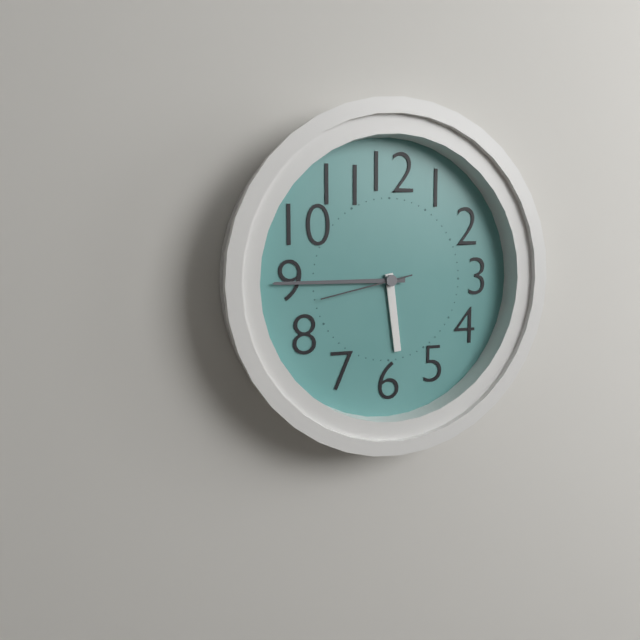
5 h 45 min 43 s
